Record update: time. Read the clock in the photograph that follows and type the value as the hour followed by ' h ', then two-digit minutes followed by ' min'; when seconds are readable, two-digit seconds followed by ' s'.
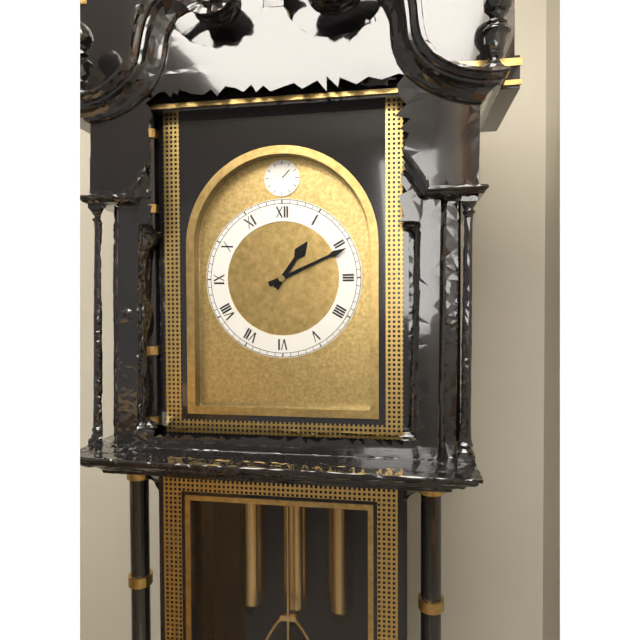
1 h 11 min
